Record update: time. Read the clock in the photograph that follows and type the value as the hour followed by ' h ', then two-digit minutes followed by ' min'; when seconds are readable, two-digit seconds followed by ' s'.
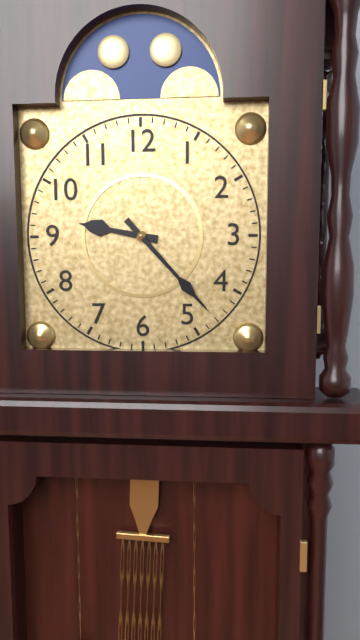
9 h 23 min
